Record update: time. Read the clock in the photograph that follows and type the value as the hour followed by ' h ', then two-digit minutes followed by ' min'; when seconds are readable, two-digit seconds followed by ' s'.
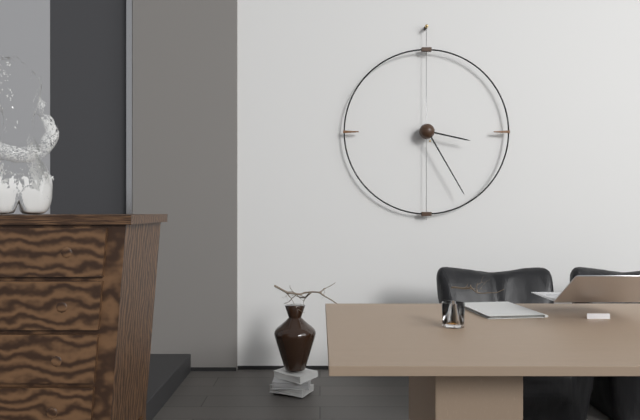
3 h 25 min
